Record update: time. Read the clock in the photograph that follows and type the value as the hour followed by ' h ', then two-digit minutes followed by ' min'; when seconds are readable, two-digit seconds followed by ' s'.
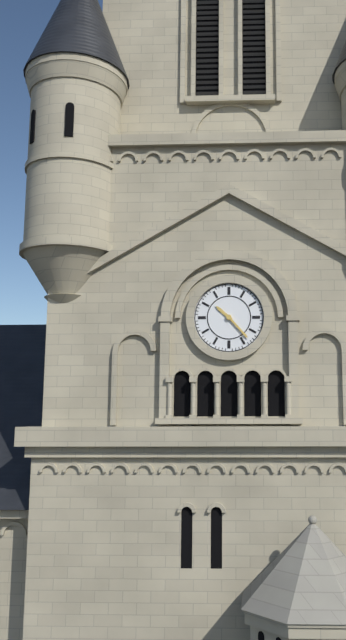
10 h 23 min
